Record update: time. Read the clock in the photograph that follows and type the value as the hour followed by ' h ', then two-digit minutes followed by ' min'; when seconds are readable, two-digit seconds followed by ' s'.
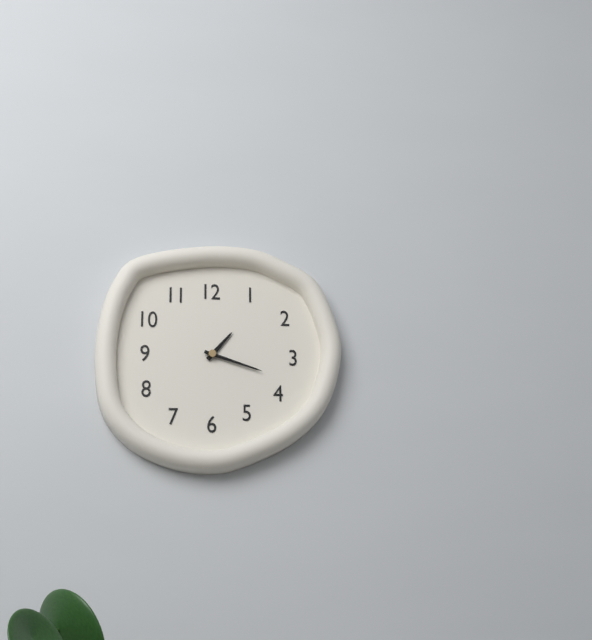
1 h 18 min
